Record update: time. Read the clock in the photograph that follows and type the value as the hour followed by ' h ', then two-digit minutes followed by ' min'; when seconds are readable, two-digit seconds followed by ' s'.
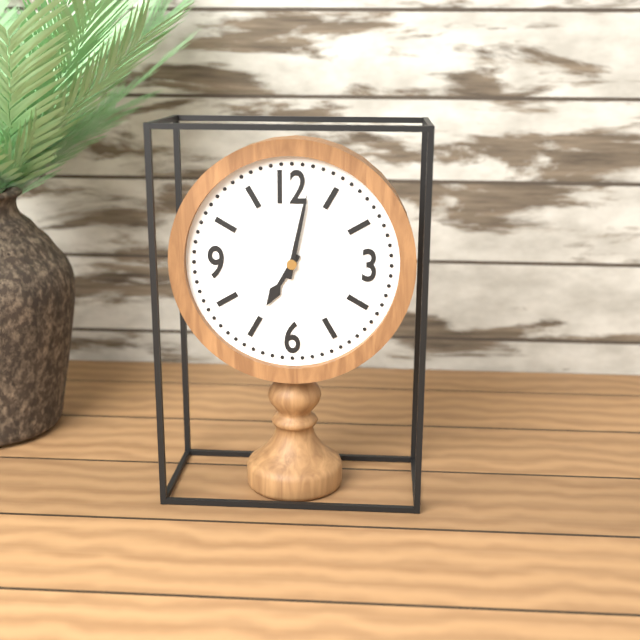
7 h 02 min
